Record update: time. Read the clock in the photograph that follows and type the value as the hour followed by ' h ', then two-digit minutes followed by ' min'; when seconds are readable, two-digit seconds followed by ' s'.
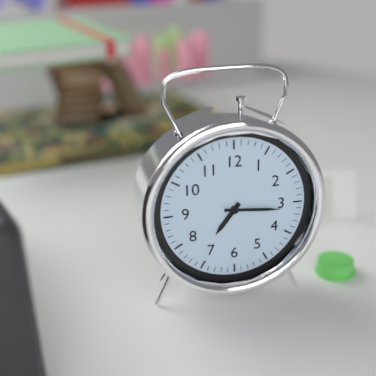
7 h 16 min
